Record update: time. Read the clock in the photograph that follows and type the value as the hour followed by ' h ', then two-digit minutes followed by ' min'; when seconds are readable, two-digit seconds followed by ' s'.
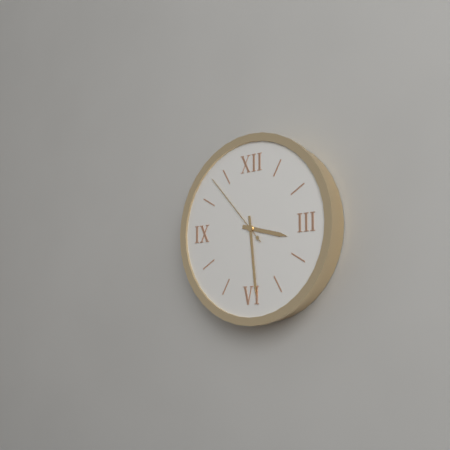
3 h 29 min 53 s
